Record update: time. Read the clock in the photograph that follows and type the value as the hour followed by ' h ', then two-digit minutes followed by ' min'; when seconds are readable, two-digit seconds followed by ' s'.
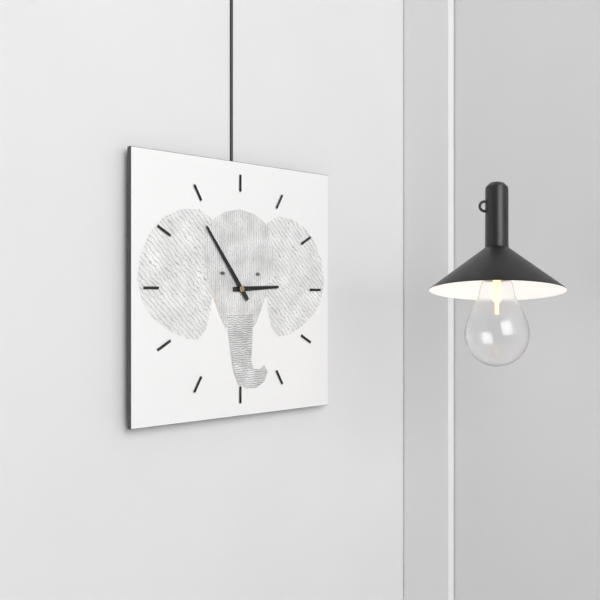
2 h 54 min
